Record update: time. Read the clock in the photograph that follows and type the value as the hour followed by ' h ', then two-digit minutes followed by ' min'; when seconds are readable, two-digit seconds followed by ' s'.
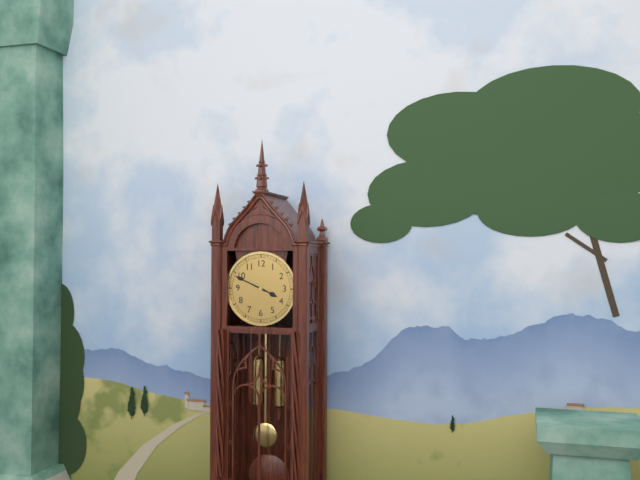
3 h 49 min
